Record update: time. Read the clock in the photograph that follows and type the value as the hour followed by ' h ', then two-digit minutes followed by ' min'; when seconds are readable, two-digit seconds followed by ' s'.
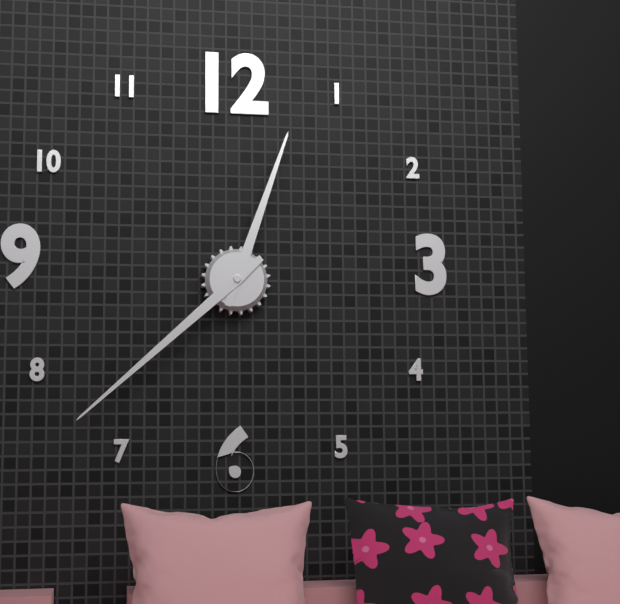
12 h 38 min
